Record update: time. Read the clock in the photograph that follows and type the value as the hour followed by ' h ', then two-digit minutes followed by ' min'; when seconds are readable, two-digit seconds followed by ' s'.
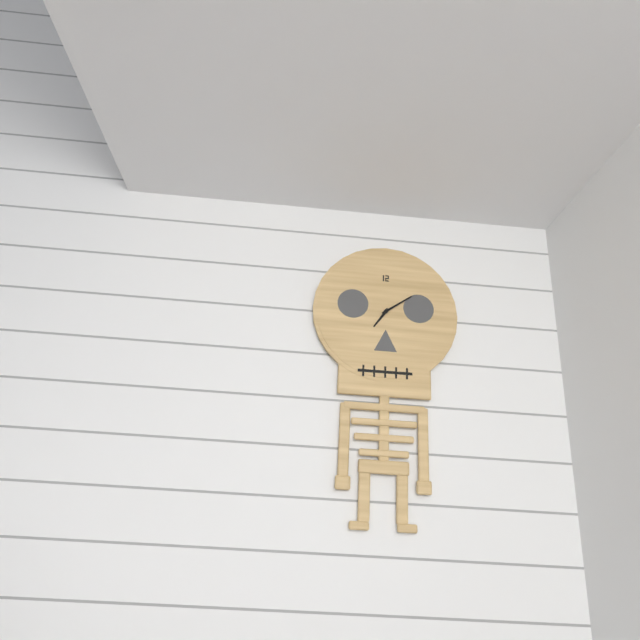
7 h 09 min
